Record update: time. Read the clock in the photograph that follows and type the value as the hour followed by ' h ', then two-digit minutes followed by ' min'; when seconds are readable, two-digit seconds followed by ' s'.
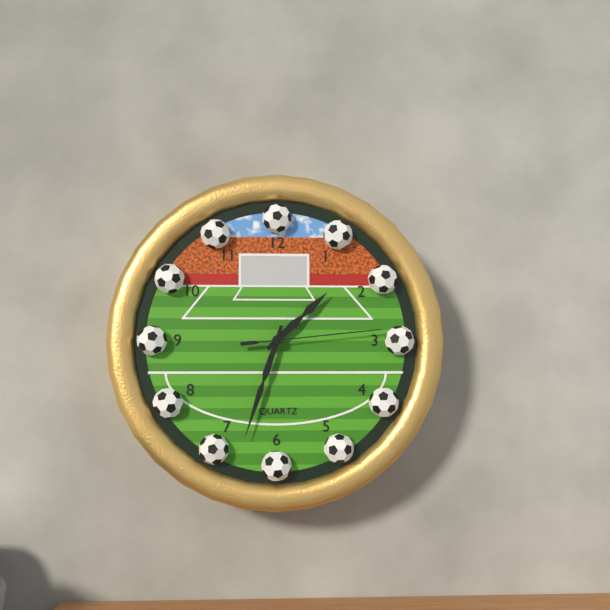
1 h 33 min 14 s
